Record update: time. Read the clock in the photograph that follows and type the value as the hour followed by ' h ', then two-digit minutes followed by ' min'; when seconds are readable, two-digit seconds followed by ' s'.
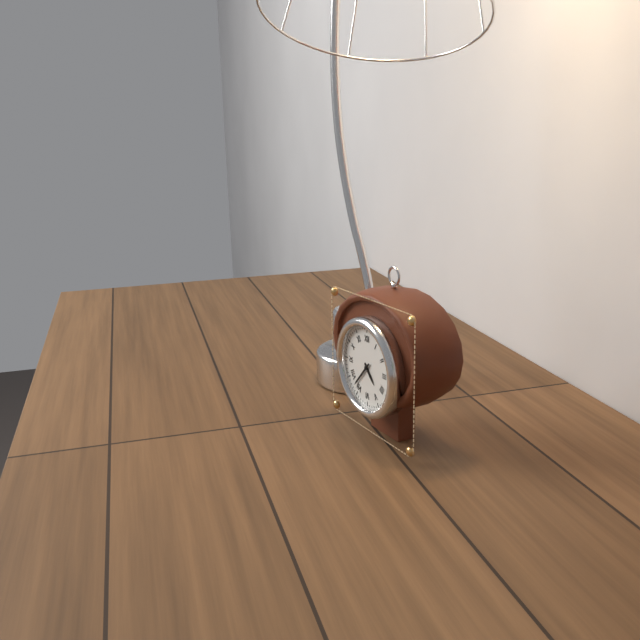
4 h 37 min
